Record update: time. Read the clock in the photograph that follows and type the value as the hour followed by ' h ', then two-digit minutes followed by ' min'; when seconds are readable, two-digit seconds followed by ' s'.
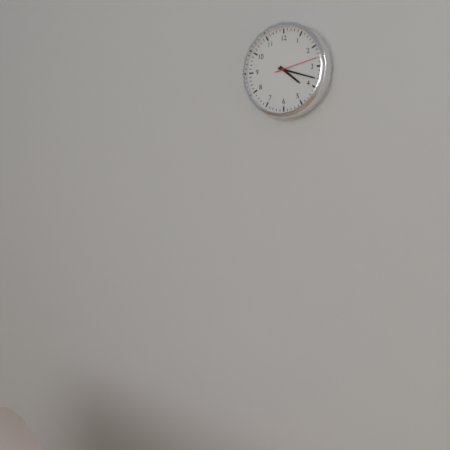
4 h 18 min
